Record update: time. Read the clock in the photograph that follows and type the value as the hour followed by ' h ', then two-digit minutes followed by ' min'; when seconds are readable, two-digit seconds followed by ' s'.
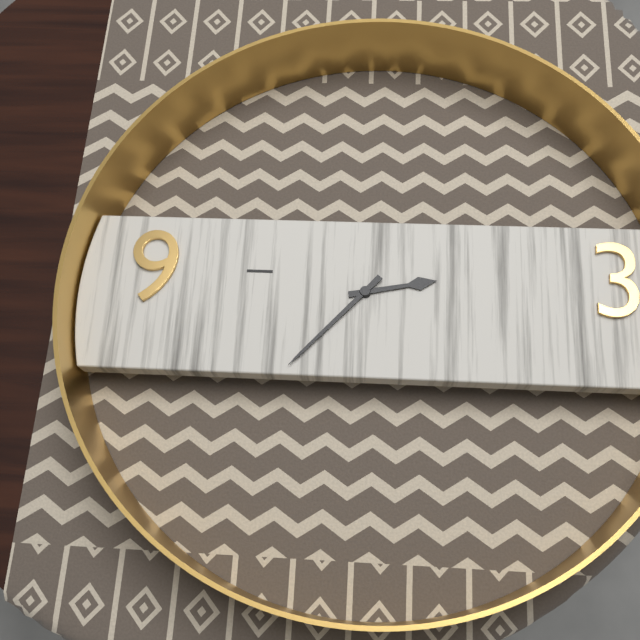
2 h 37 min
